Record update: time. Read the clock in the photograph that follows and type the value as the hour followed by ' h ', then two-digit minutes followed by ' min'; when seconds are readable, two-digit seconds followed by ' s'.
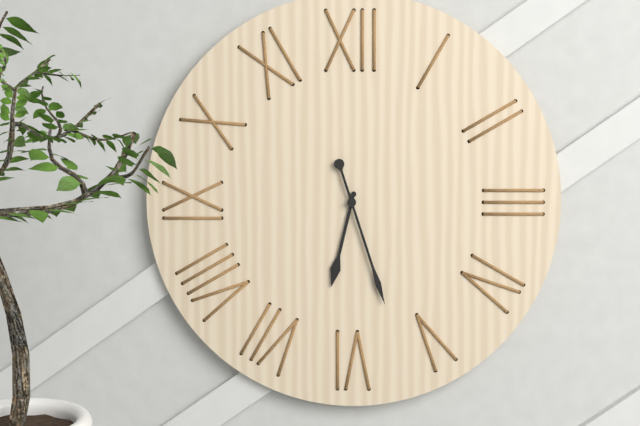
6 h 27 min
